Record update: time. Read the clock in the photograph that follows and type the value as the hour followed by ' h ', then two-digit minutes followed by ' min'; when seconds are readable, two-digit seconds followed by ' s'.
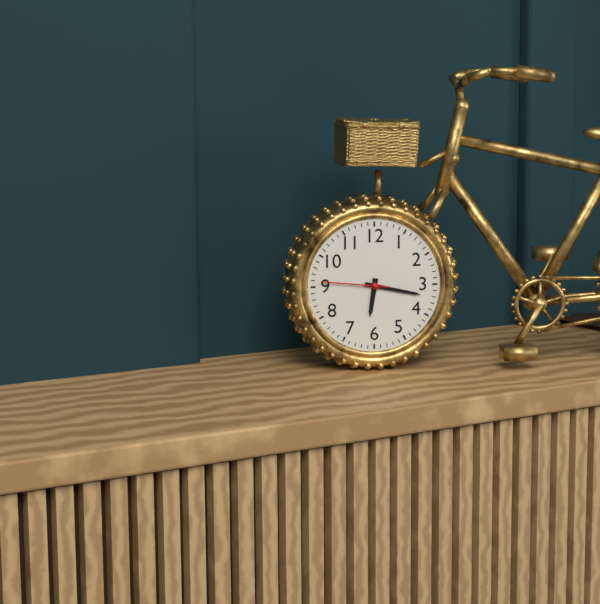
6 h 17 min 46 s
